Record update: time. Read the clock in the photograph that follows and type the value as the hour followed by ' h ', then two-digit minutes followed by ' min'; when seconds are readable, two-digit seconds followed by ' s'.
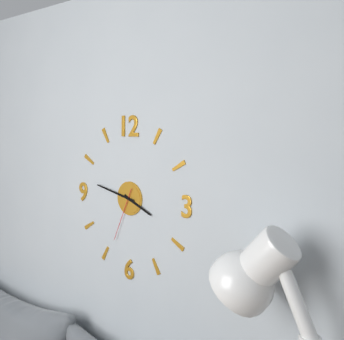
3 h 47 min 34 s
